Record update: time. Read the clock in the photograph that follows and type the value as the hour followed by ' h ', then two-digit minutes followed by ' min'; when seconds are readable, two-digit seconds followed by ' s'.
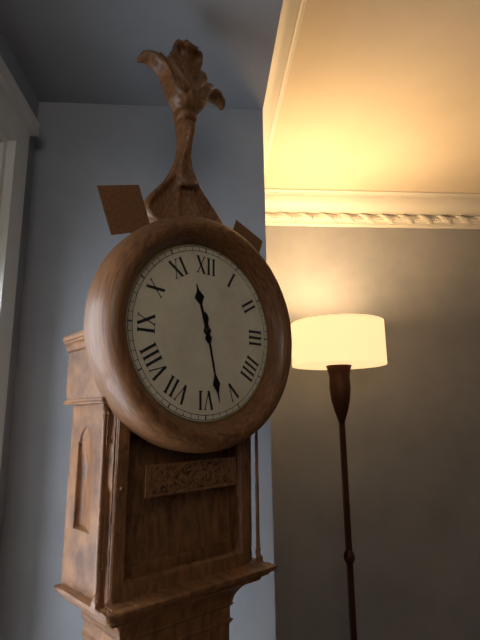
11 h 28 min
